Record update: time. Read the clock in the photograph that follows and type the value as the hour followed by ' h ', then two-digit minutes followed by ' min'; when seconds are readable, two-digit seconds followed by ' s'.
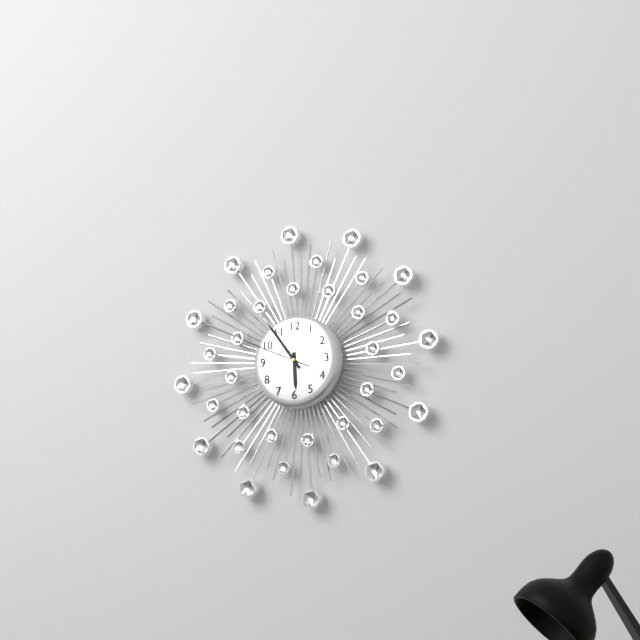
5 h 54 min 49 s
